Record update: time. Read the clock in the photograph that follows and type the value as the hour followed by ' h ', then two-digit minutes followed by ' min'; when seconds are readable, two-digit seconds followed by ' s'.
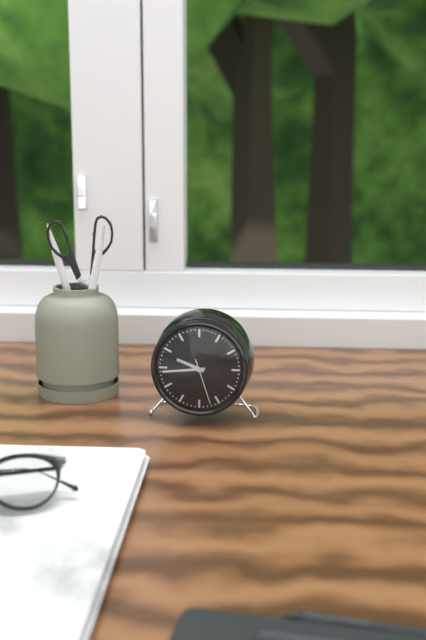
9 h 44 min
